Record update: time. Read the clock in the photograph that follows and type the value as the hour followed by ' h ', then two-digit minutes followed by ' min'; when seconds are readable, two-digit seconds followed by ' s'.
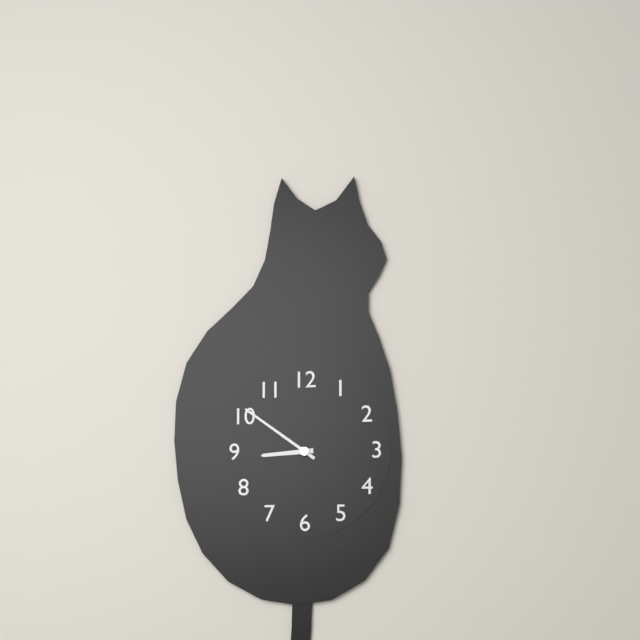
8 h 51 min
